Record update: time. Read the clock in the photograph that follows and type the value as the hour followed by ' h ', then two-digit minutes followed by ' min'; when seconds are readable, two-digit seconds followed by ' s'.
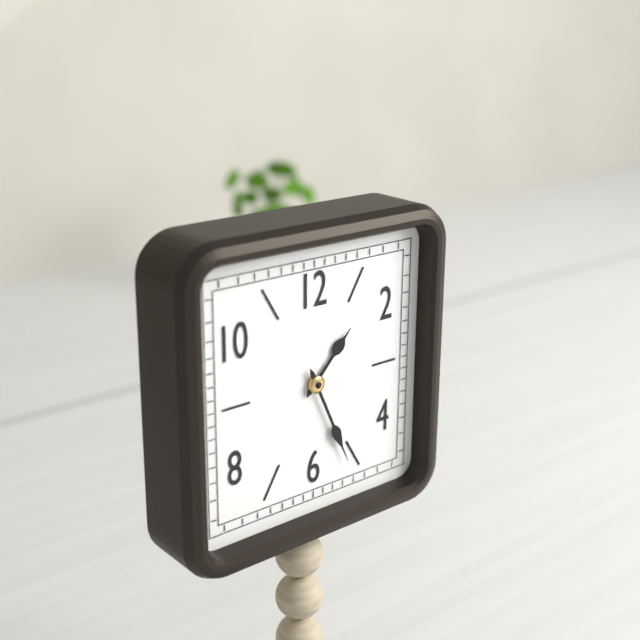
1 h 26 min
